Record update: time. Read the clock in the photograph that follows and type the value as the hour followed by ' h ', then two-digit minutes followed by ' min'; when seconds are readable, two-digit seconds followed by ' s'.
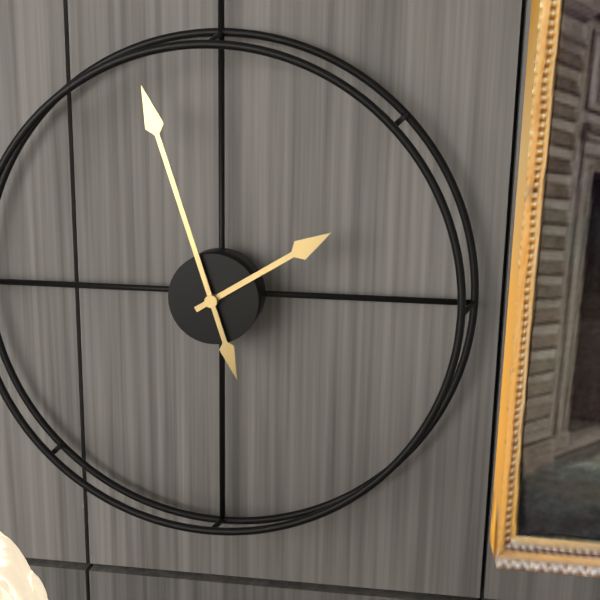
1 h 57 min
